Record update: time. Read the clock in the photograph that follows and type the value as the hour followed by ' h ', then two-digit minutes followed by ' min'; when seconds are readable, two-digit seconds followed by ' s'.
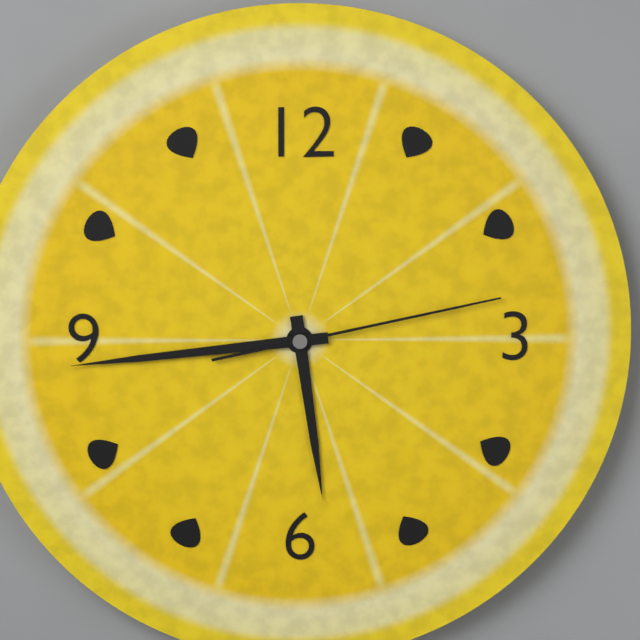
5 h 44 min 13 s
